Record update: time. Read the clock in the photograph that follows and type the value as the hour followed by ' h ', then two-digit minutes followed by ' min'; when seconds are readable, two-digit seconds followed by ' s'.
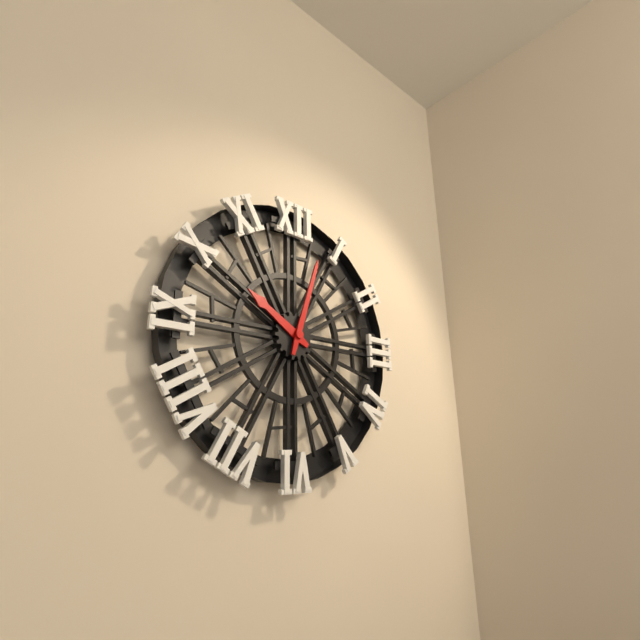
10 h 03 min
